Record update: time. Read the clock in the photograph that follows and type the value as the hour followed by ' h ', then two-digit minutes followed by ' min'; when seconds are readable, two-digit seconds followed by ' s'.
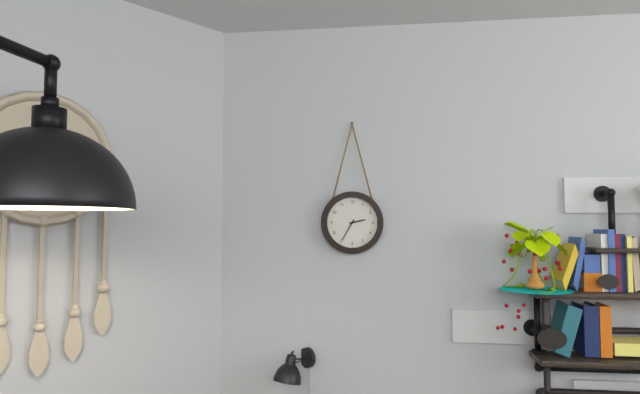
2 h 35 min
